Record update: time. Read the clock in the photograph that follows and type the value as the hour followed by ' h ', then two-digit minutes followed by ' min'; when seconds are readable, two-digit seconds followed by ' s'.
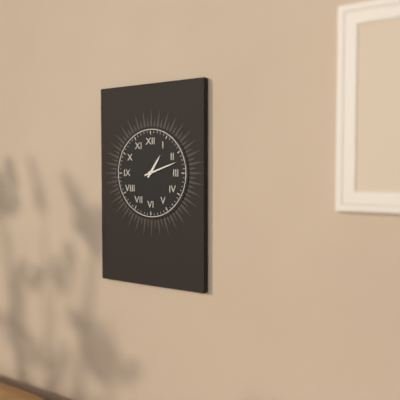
1 h 12 min
